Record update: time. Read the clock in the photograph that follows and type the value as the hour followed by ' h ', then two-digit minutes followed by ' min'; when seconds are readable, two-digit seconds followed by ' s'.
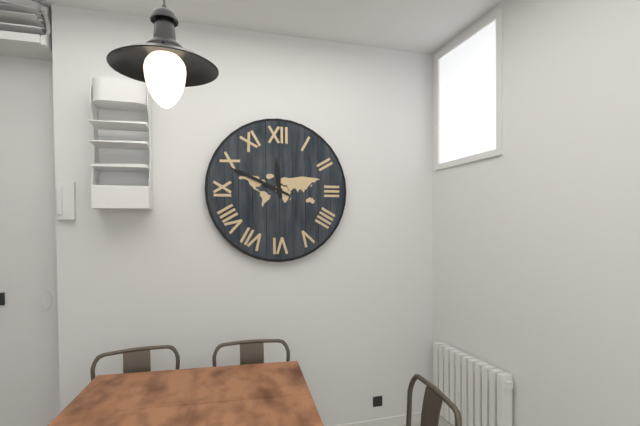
11 h 49 min
